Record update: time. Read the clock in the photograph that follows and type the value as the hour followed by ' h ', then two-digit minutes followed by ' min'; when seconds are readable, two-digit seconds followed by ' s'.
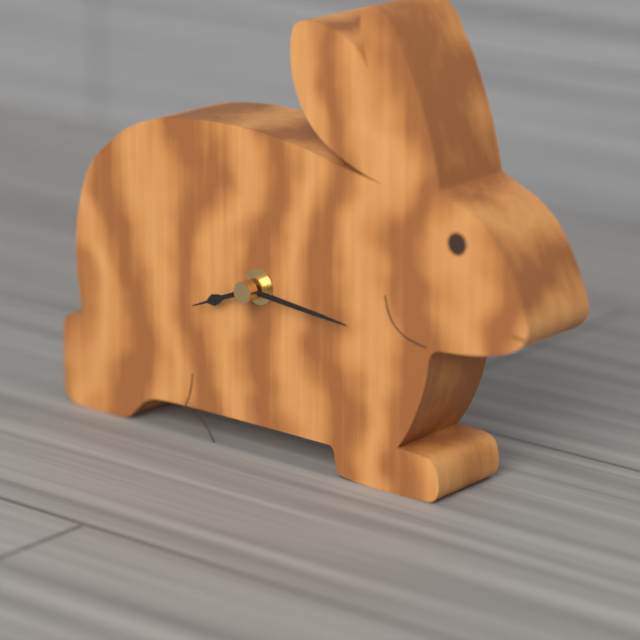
8 h 16 min
